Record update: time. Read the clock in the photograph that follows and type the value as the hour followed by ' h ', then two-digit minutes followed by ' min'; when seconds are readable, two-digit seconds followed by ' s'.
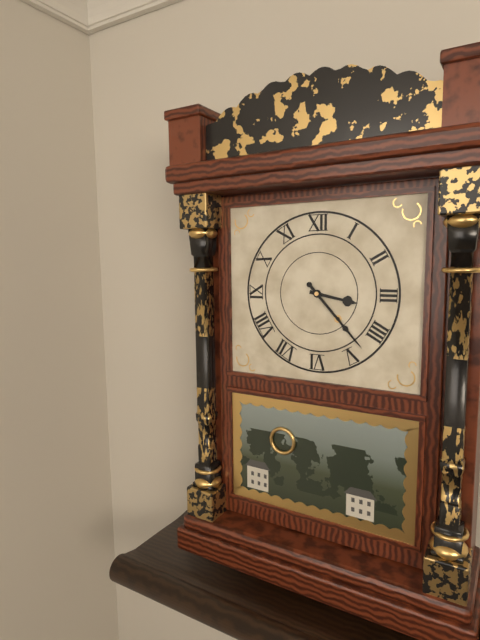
3 h 23 min
